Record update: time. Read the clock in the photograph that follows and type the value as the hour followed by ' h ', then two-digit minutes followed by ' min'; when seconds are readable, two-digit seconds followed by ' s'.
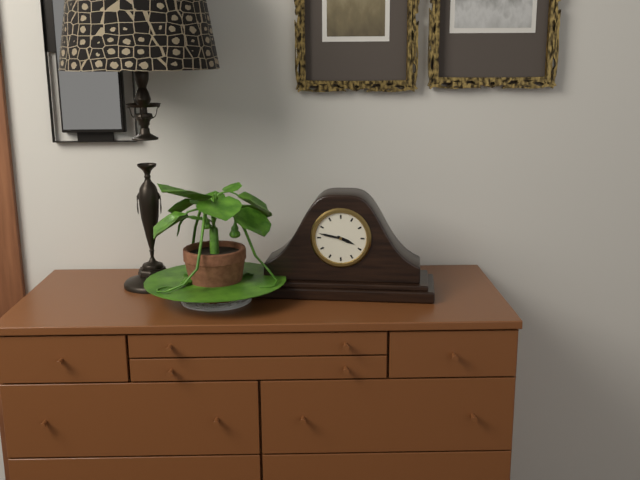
3 h 47 min
